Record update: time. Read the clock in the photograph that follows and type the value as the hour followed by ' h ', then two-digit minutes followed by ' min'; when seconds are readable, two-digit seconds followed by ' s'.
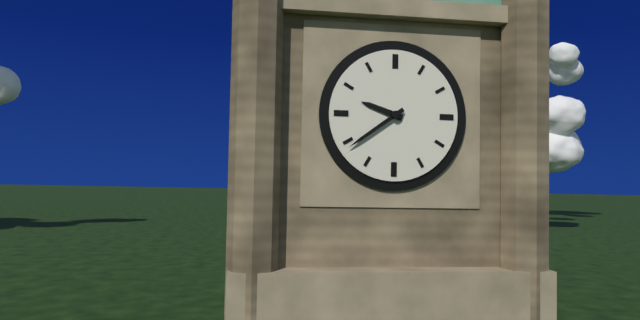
9 h 39 min
